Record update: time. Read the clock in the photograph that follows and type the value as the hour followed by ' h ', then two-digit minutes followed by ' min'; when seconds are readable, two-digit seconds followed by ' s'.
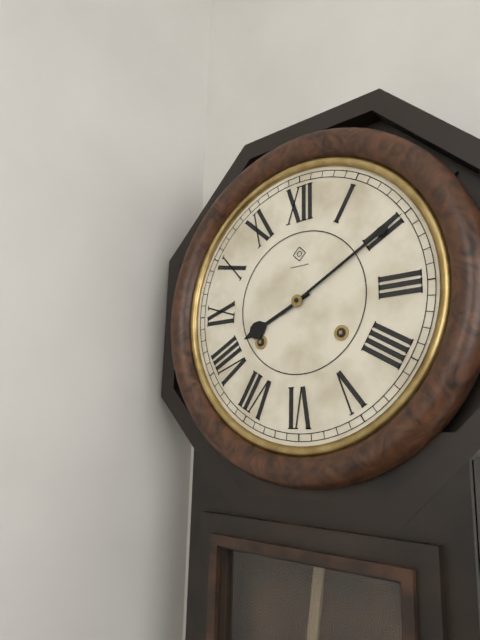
8 h 10 min
